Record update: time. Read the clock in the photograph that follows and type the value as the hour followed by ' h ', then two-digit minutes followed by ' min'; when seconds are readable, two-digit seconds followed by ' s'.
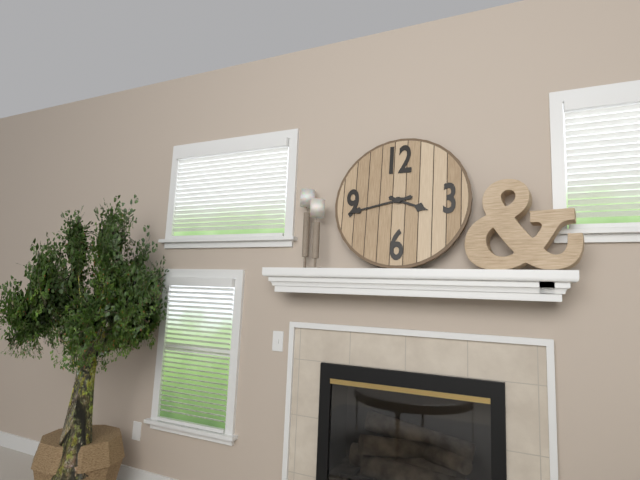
3 h 43 min
